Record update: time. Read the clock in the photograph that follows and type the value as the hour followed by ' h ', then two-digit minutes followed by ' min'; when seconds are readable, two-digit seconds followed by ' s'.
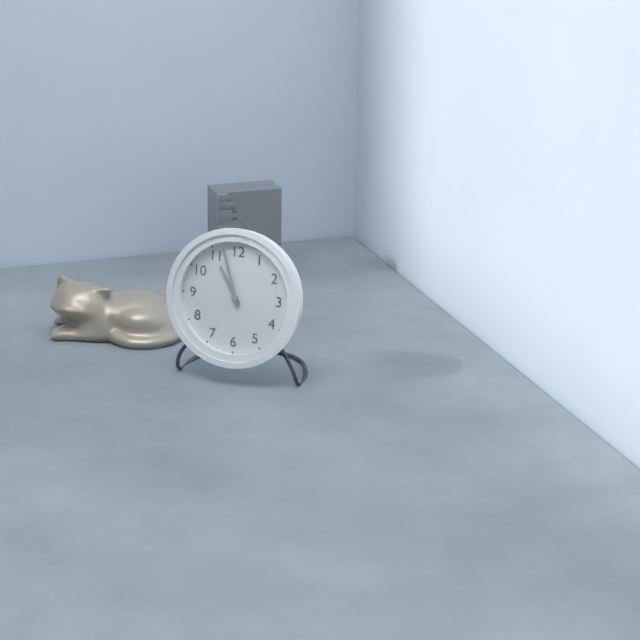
10 h 57 min
